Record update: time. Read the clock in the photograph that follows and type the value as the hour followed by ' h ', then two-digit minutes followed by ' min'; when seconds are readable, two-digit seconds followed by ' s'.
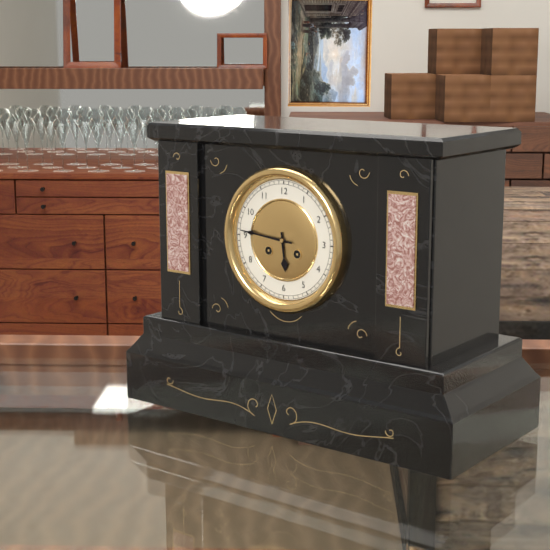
5 h 46 min
